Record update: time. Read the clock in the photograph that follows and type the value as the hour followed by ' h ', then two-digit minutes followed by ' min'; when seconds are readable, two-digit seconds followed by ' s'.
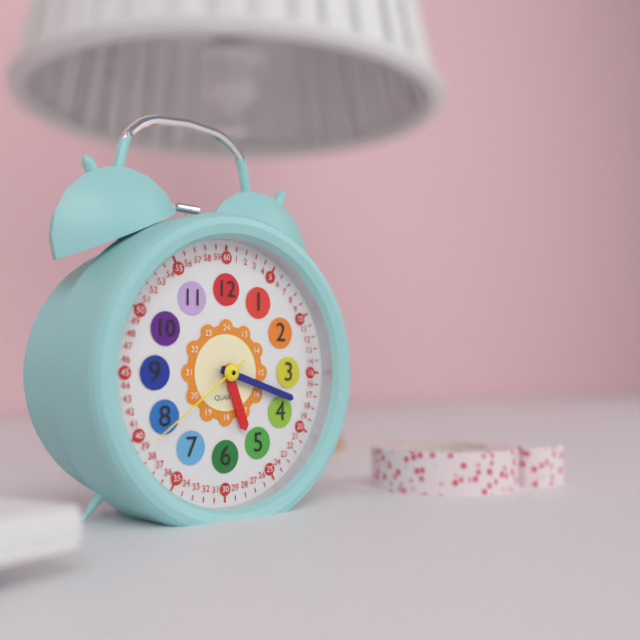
5 h 18 min 39 s
